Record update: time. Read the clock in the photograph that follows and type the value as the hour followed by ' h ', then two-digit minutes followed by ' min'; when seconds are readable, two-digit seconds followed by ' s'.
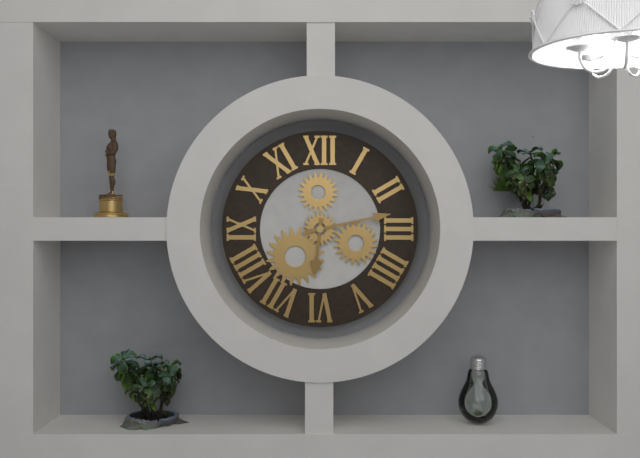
6 h 13 min
